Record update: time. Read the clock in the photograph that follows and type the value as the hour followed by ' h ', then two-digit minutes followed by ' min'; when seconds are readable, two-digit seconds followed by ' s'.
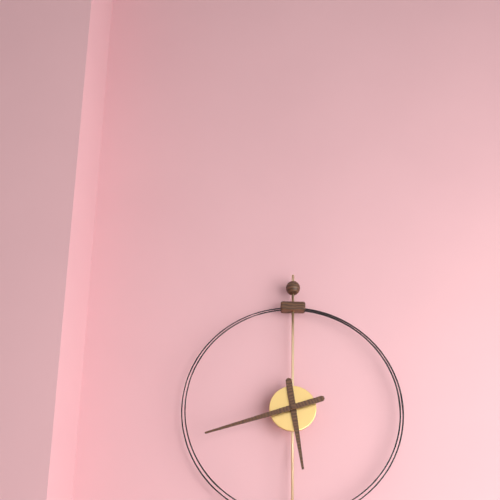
5 h 42 min
